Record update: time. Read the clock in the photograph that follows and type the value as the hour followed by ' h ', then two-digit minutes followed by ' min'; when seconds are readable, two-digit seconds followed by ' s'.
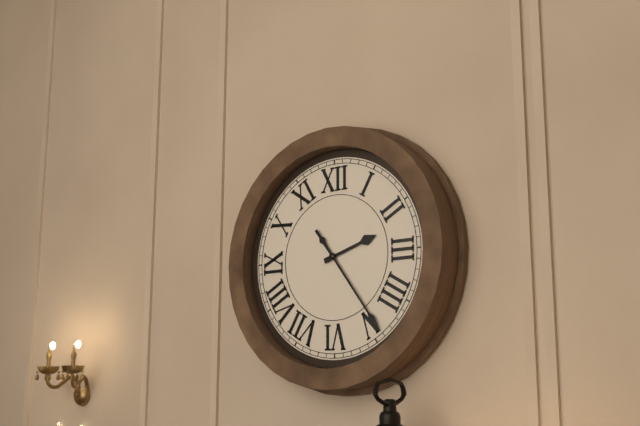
2 h 24 min
